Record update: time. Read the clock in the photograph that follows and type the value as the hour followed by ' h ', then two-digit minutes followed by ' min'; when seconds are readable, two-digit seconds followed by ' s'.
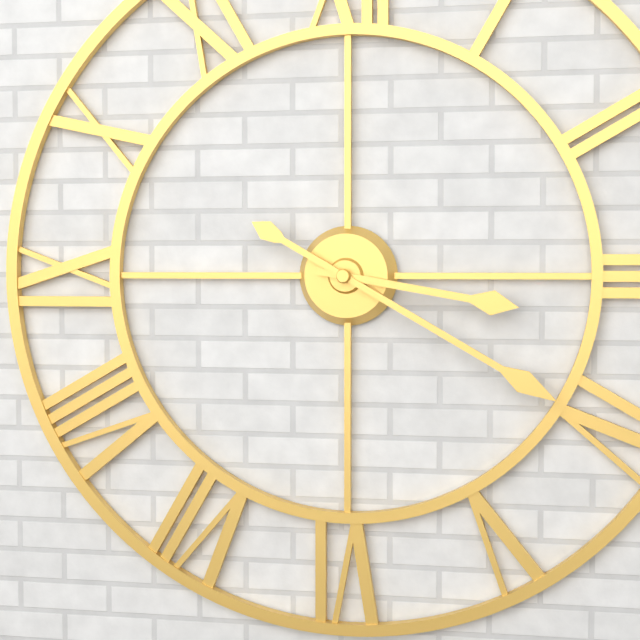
3 h 20 min
